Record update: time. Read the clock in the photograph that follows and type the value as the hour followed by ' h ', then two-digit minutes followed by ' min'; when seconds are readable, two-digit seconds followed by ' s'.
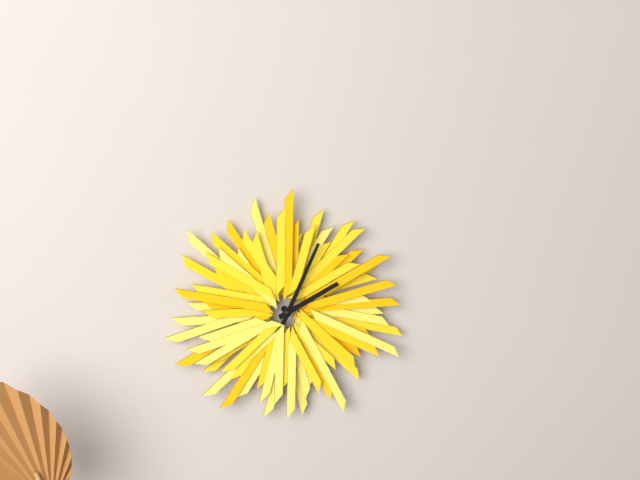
2 h 04 min
